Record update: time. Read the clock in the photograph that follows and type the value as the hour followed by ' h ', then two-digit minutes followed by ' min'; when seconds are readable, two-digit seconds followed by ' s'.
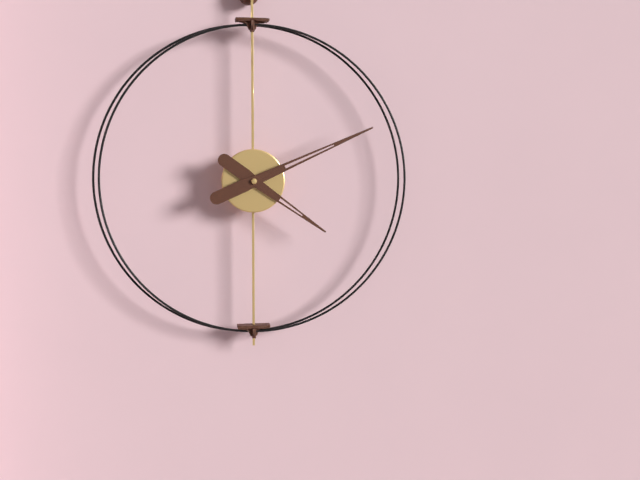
4 h 11 min
